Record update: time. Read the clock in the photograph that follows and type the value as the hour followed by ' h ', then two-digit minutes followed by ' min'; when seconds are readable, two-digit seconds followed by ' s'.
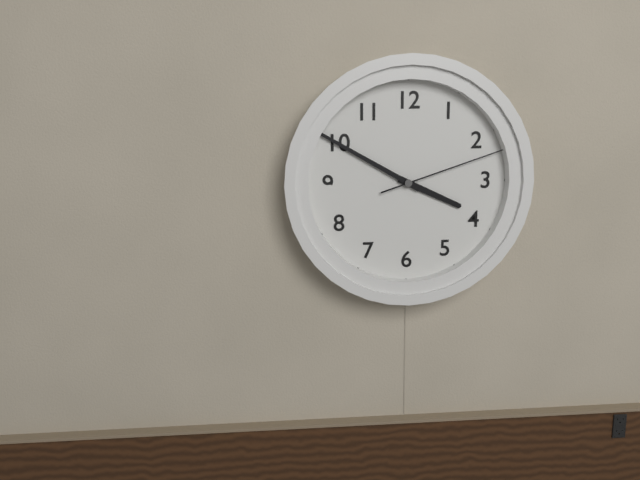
3 h 50 min 12 s
